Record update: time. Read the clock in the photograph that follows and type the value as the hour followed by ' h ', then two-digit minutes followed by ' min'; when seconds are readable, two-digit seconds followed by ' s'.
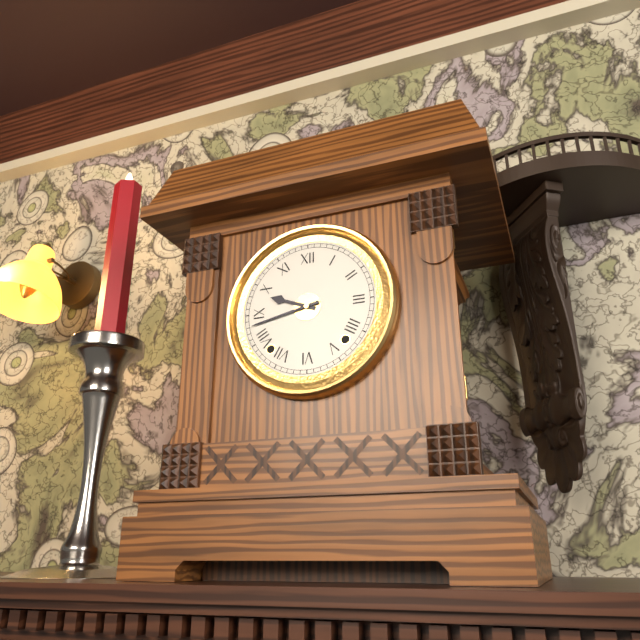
9 h 43 min
